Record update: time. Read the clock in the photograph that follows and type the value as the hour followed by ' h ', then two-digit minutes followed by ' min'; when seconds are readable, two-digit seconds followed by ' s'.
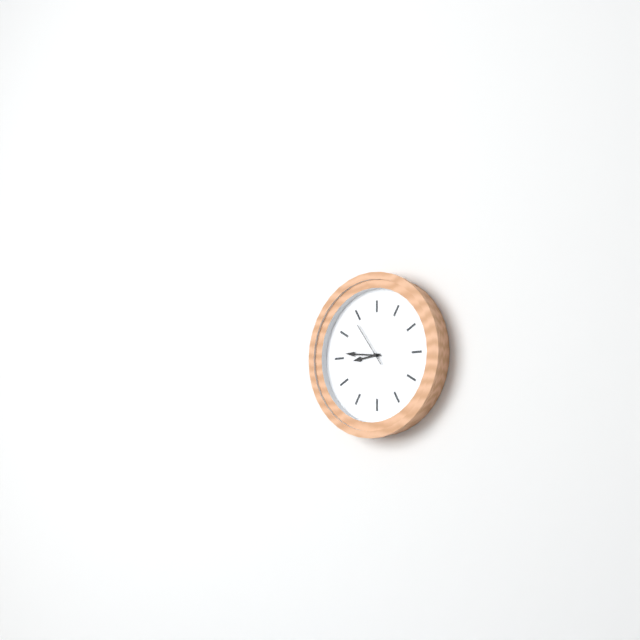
8 h 46 min
